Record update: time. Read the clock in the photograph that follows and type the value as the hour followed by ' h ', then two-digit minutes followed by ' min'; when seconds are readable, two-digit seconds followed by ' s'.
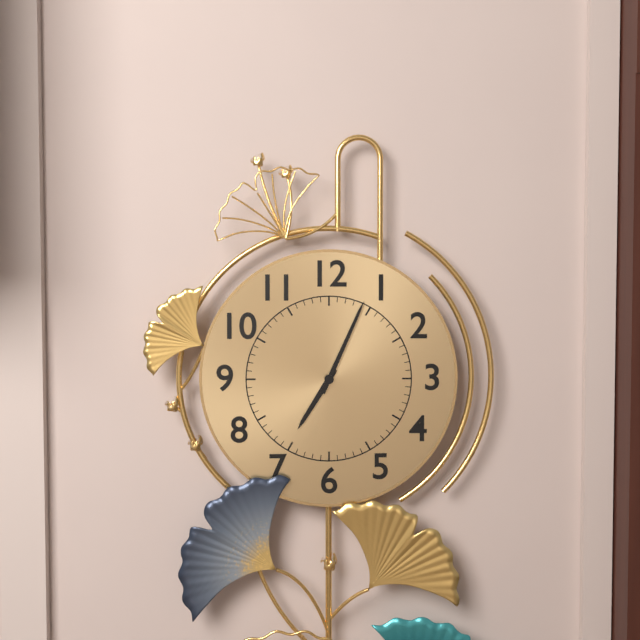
7 h 04 min
